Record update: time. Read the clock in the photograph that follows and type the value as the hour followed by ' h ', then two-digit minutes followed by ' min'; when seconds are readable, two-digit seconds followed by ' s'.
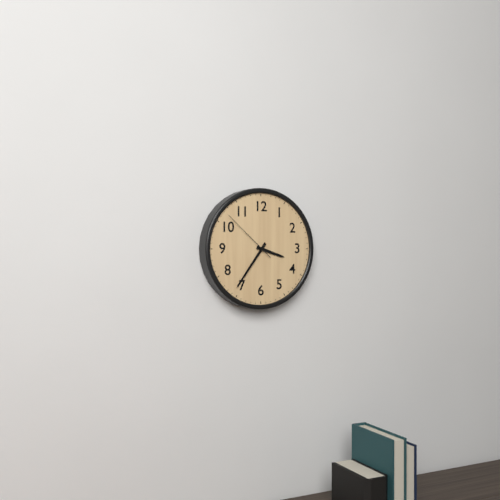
3 h 36 min 52 s
